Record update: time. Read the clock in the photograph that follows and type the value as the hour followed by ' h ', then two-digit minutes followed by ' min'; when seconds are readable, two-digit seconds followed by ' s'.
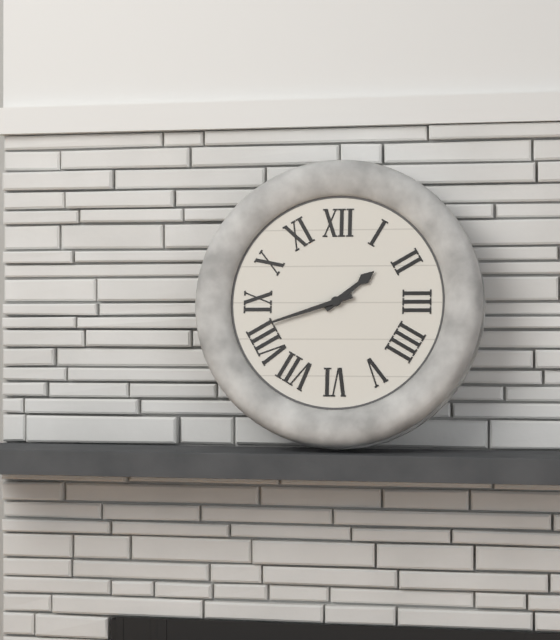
1 h 42 min
